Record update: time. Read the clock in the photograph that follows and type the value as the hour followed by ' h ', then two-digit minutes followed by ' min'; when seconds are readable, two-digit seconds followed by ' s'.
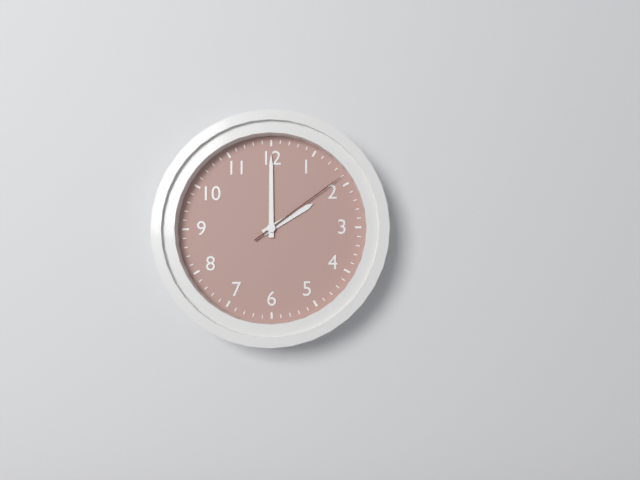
2 h 00 min 09 s
